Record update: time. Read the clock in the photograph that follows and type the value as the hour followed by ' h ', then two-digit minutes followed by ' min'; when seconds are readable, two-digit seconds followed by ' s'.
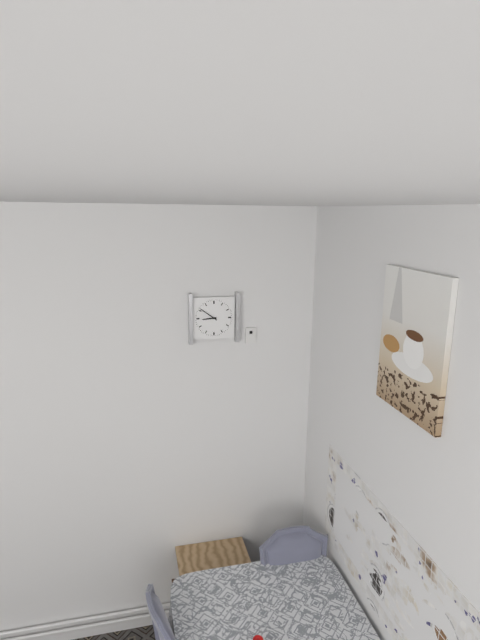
8 h 51 min
